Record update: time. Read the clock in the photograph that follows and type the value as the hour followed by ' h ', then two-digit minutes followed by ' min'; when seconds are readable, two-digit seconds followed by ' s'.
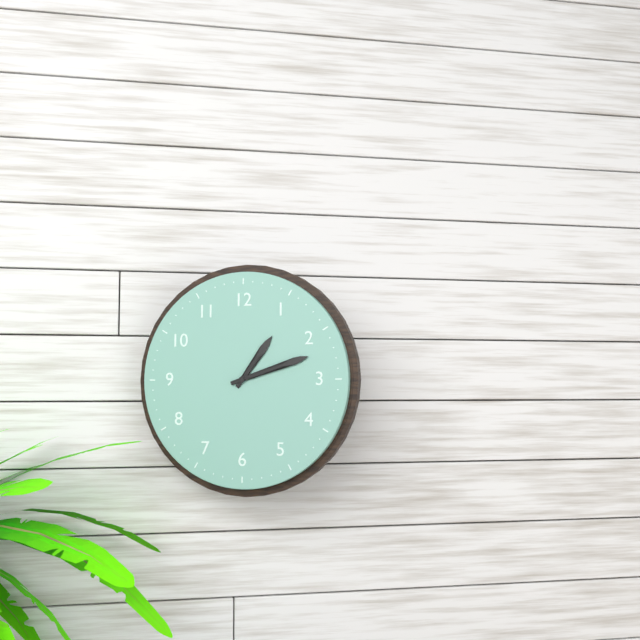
1 h 12 min
